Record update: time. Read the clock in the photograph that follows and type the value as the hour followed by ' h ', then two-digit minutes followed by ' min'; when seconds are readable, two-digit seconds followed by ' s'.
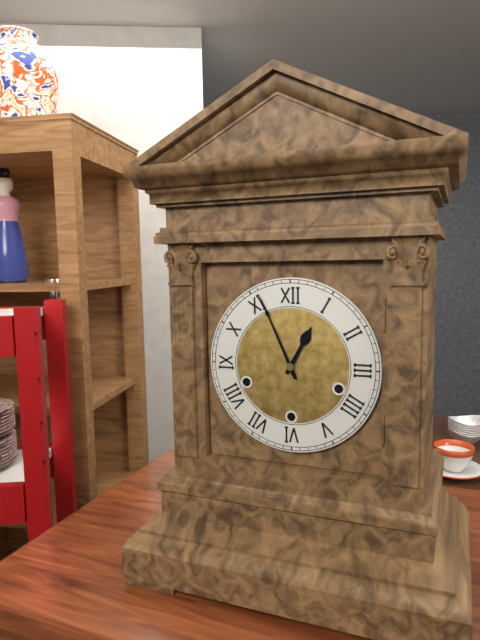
12 h 56 min
